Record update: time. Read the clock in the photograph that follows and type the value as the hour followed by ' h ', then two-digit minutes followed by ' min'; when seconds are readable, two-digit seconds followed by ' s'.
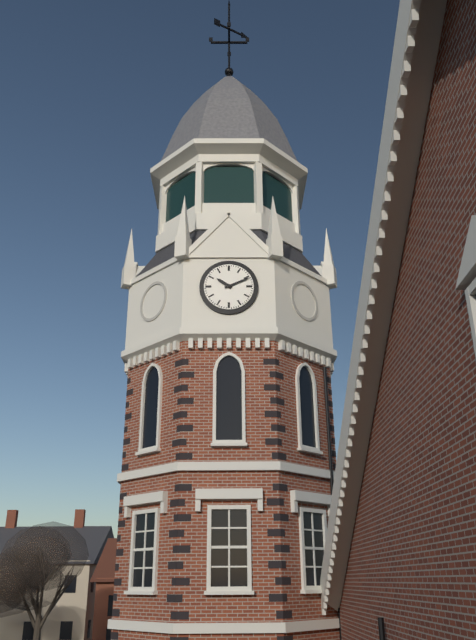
10 h 11 min
